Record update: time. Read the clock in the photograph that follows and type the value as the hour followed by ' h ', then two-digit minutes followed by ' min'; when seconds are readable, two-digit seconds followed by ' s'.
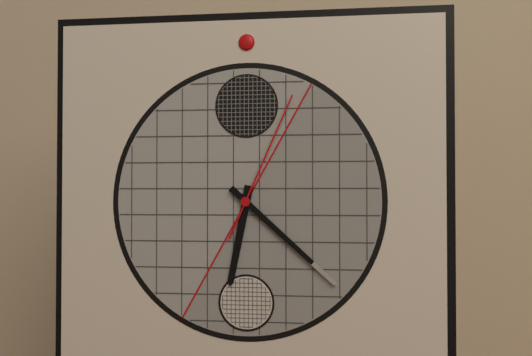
6 h 22 min 04 s
